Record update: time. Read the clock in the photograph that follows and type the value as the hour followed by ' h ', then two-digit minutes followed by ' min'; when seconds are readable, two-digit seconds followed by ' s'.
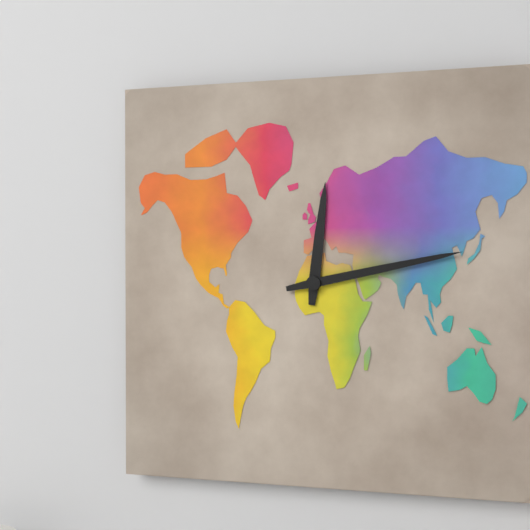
12 h 13 min
